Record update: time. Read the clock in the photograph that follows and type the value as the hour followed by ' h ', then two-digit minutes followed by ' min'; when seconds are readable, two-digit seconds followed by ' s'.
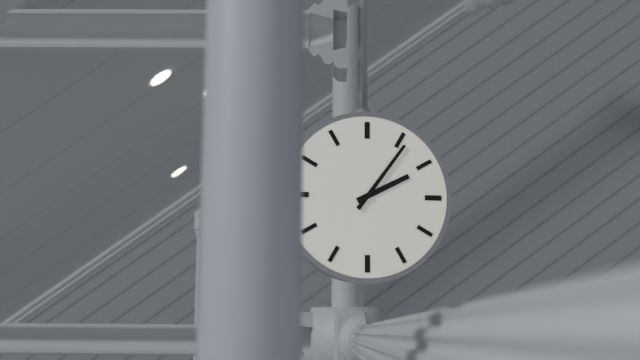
2 h 06 min
